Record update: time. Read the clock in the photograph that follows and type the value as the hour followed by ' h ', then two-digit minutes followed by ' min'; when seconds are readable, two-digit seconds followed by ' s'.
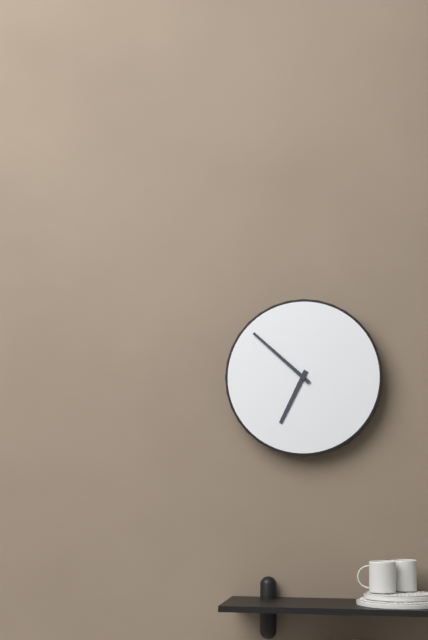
6 h 52 min
